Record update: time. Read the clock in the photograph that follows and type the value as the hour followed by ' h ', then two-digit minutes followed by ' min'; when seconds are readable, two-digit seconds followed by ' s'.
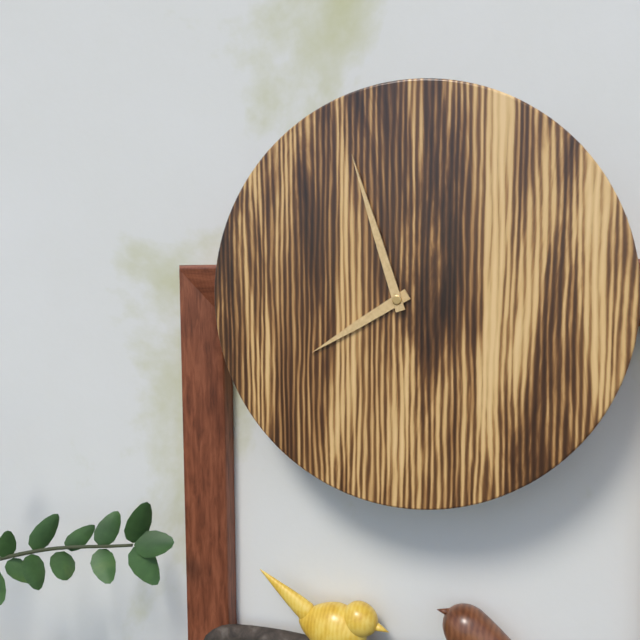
7 h 57 min
